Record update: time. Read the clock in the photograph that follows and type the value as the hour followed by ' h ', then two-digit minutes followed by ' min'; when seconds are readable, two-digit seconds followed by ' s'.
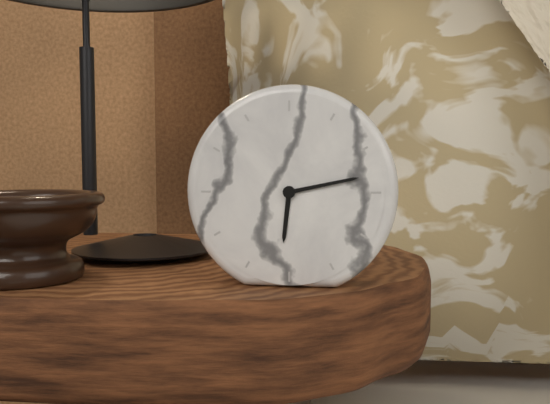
6 h 13 min
